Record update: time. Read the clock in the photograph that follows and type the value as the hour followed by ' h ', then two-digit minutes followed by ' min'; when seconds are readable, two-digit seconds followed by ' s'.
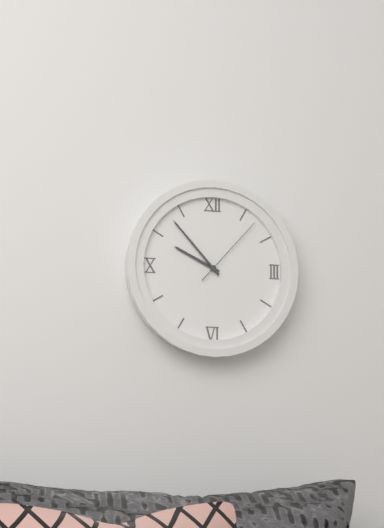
9 h 53 min 07 s
